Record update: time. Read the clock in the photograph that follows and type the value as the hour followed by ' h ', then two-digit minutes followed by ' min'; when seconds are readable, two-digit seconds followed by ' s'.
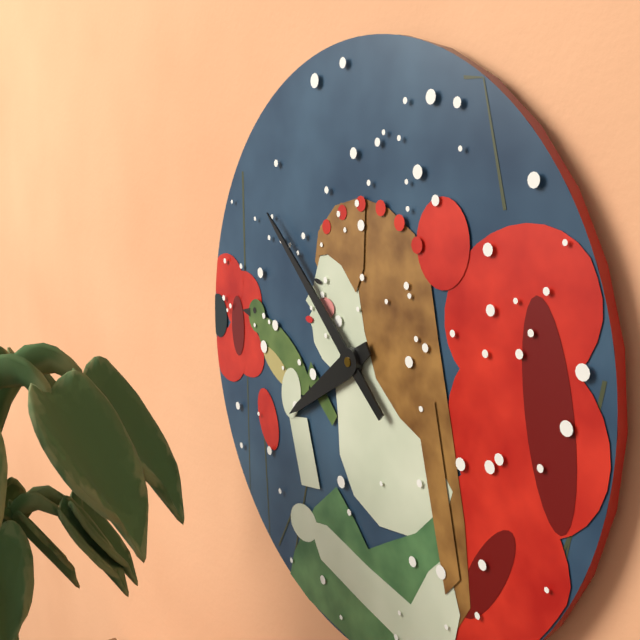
7 h 52 min
